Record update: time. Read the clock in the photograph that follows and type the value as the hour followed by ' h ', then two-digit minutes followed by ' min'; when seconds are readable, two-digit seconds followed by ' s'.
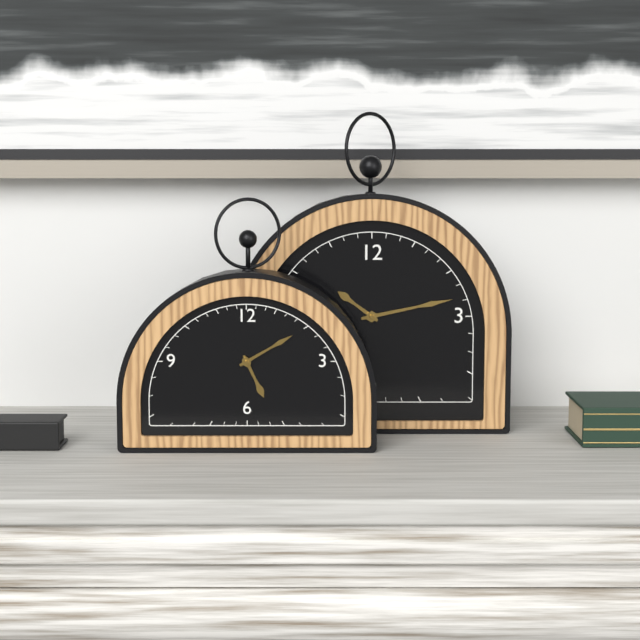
5 h 10 min
